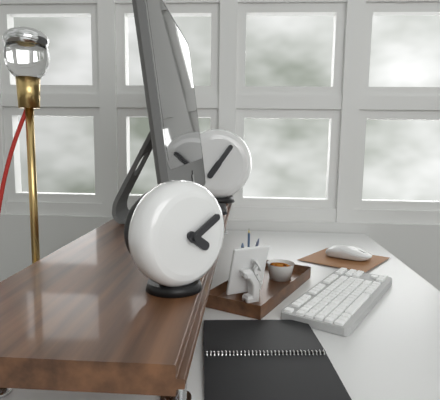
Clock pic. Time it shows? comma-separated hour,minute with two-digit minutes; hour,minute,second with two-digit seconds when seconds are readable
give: 4,10
